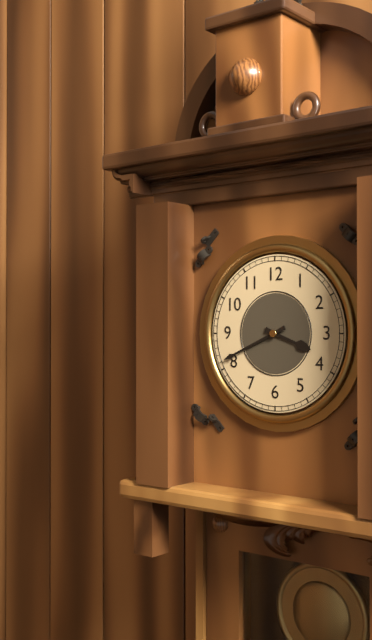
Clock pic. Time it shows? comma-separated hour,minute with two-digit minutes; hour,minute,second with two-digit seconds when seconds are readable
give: 3,41
